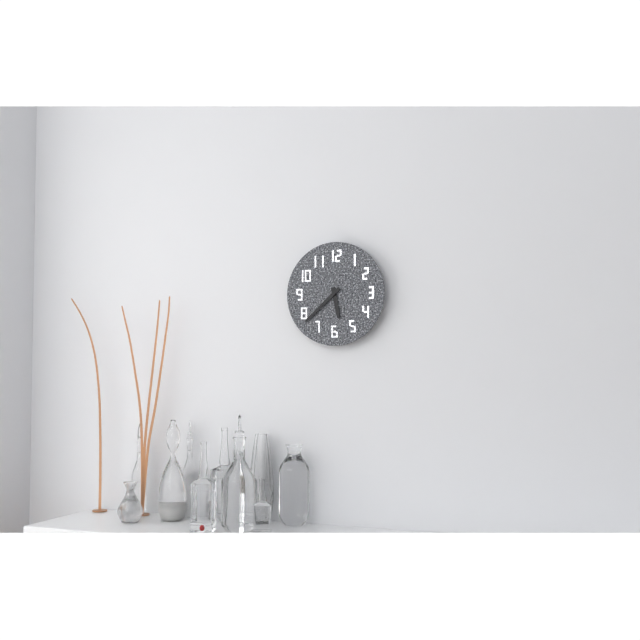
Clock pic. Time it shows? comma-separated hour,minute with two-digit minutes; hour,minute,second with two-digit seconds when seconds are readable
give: 5,38
